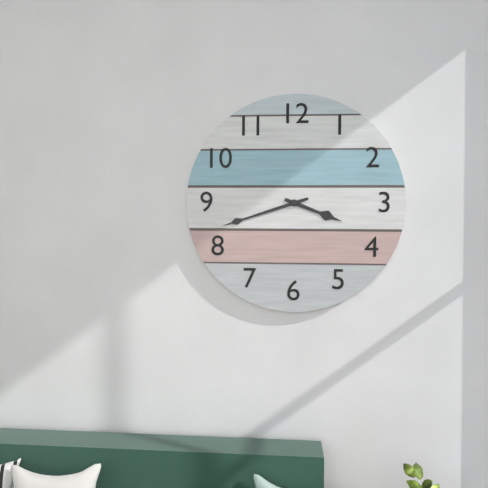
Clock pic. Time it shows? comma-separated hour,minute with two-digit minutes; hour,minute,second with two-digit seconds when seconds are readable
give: 3,42
